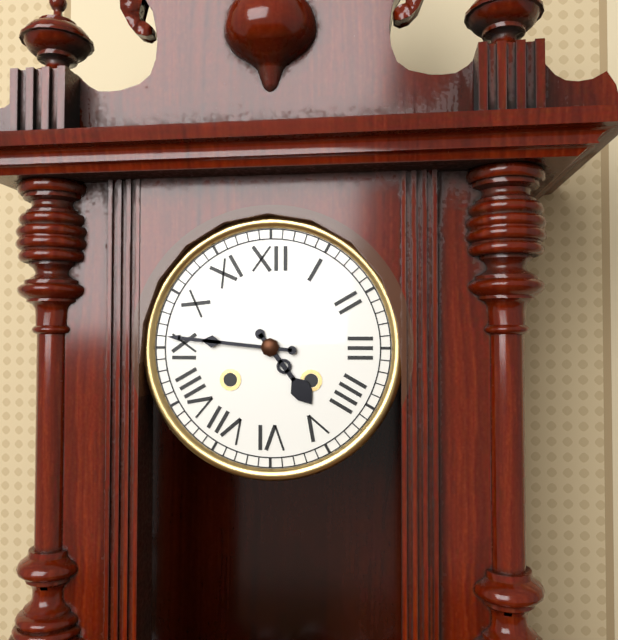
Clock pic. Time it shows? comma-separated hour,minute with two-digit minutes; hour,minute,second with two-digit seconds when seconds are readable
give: 4,46
